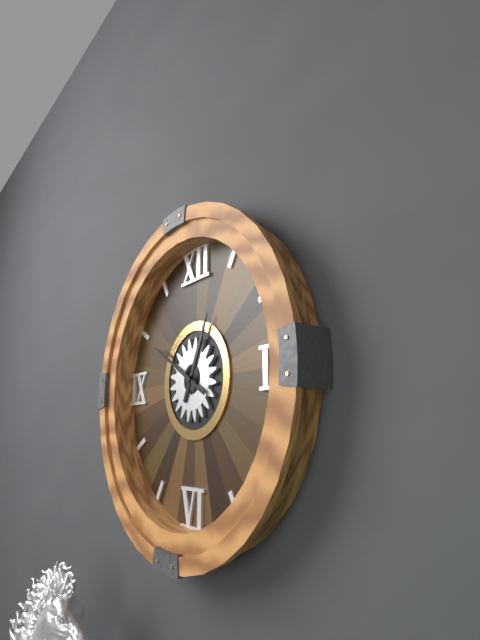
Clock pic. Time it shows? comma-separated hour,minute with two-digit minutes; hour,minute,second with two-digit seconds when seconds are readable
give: 12,50
